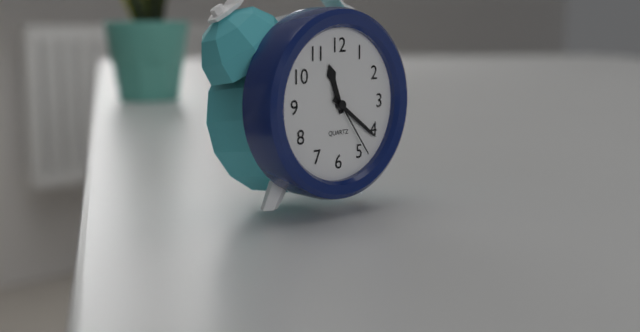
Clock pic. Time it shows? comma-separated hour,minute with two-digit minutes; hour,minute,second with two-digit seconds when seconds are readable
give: 11,21,24
